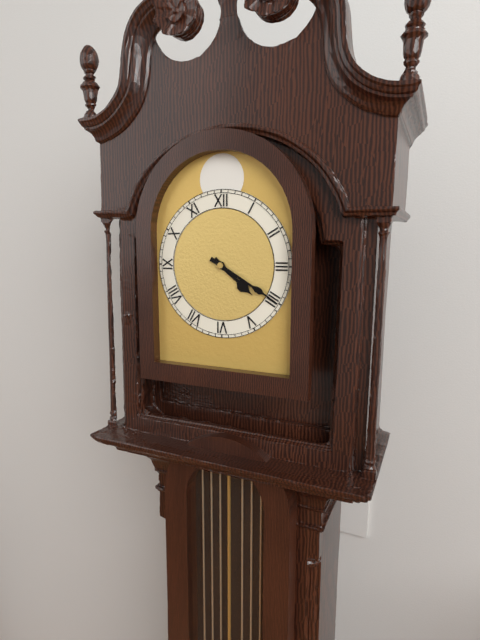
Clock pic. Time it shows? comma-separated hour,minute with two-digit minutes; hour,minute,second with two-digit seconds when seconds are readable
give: 4,20
